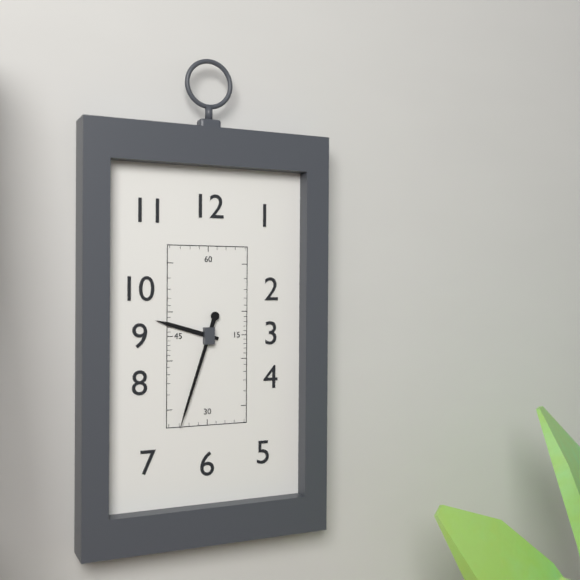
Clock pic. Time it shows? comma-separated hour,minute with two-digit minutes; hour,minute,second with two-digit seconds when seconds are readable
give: 9,33
